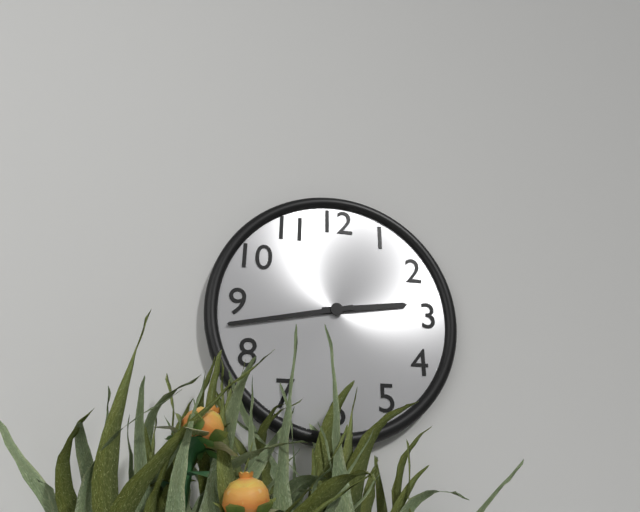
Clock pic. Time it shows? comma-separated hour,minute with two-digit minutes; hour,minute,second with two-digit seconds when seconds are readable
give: 2,43
